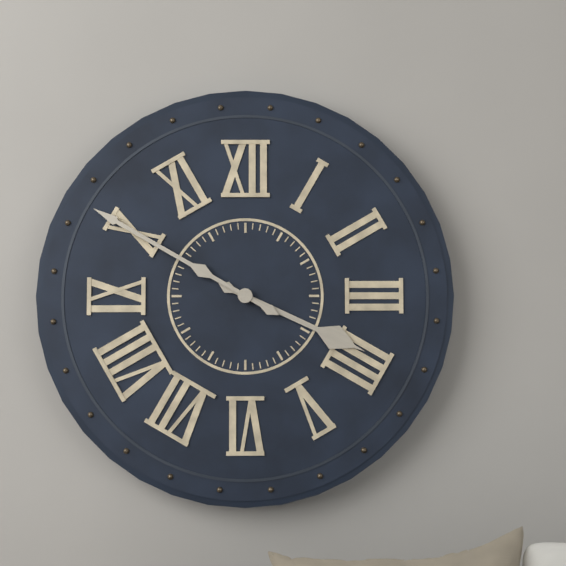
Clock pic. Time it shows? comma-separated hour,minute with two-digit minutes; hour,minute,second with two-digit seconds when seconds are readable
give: 3,50
